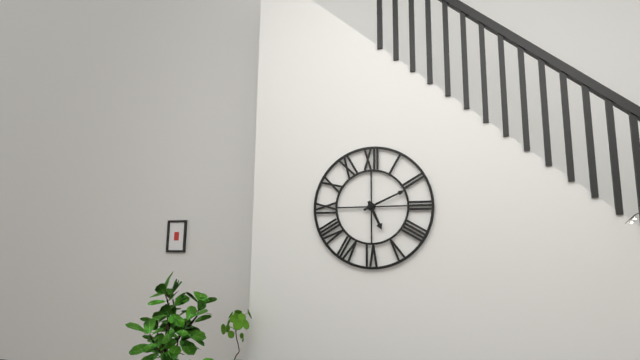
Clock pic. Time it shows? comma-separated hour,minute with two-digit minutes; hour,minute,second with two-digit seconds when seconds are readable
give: 5,11
